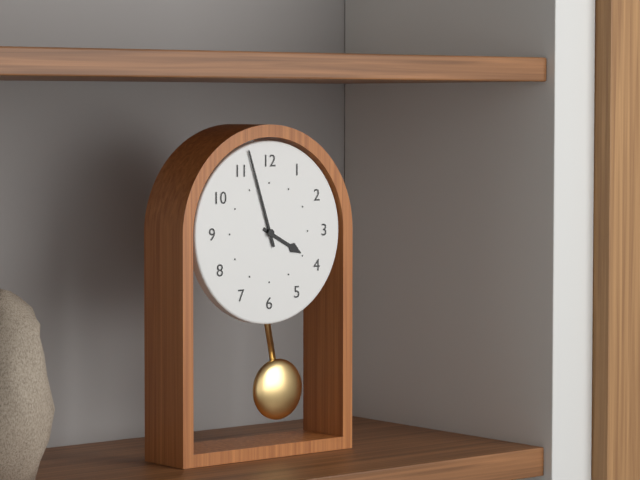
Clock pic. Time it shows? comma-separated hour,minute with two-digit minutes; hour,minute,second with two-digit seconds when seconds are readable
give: 3,57
